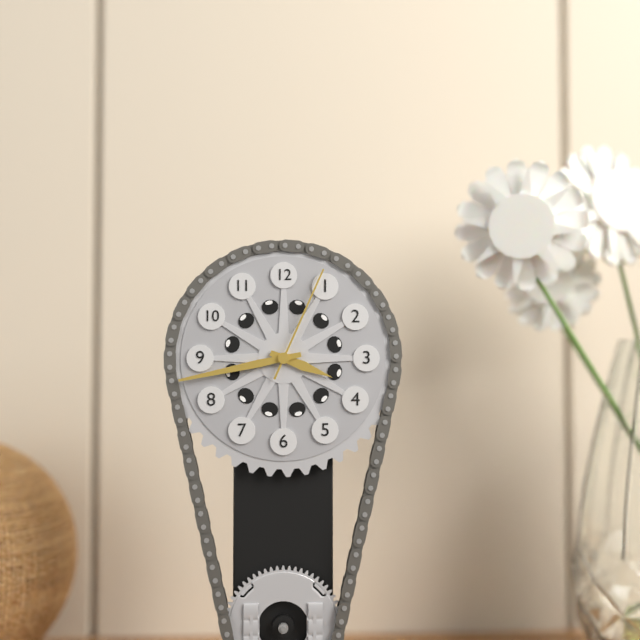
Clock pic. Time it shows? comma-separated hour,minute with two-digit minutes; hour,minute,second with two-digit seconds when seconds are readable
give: 3,43,04
